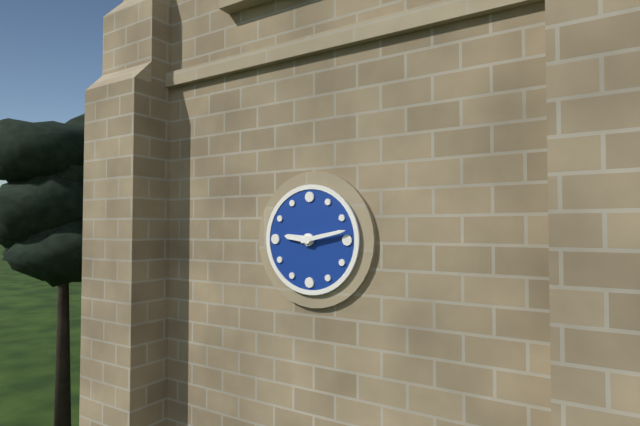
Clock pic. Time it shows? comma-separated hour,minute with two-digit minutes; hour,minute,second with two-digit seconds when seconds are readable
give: 9,13
